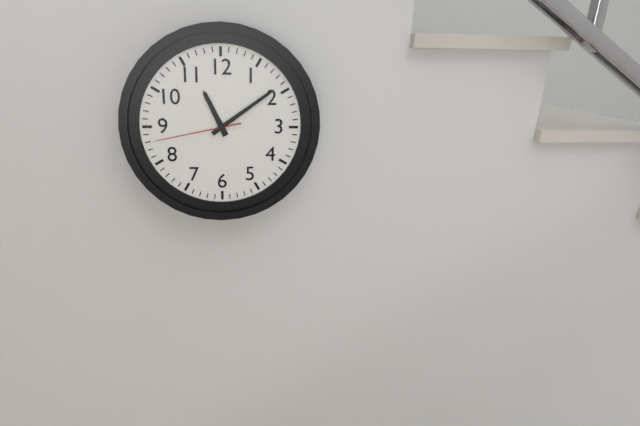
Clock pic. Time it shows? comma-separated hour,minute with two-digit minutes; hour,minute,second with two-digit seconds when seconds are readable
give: 11,09,43
